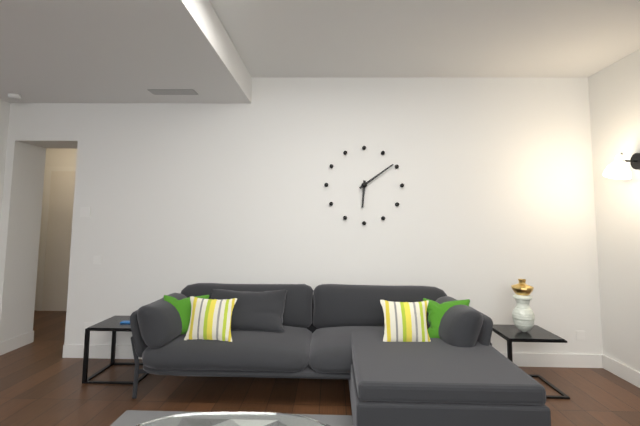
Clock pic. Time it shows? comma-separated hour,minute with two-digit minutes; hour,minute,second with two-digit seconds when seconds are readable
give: 6,09
